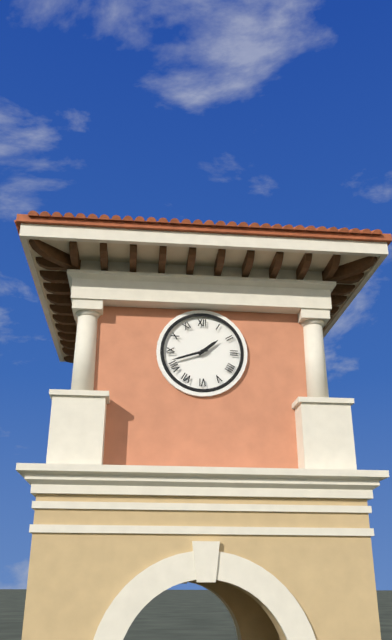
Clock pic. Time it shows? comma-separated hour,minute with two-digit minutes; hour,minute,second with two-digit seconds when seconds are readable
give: 1,42
